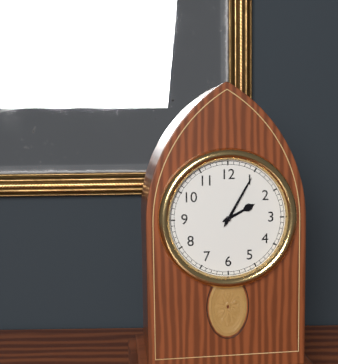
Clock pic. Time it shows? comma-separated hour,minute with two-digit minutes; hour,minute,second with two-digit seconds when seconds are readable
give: 2,05
